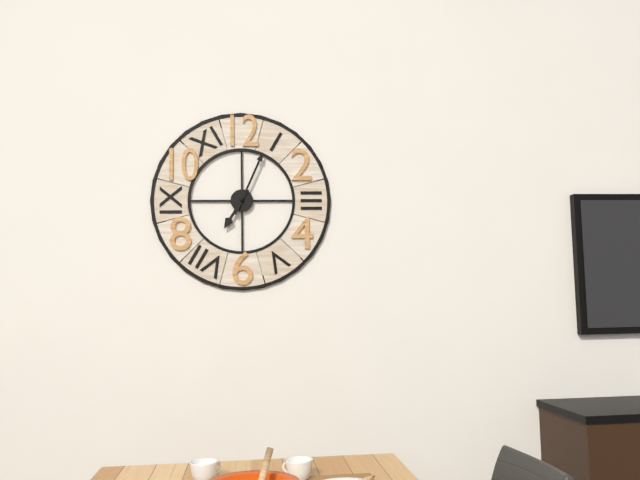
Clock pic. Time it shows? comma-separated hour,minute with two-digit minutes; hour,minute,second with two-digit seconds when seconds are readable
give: 7,04
